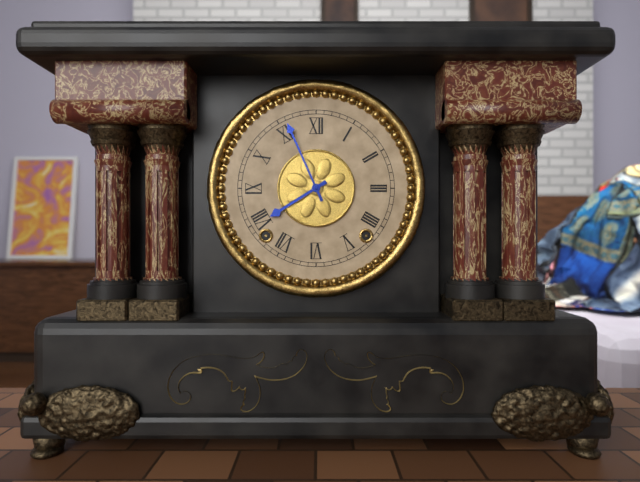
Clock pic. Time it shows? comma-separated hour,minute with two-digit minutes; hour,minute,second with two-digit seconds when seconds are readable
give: 7,56
